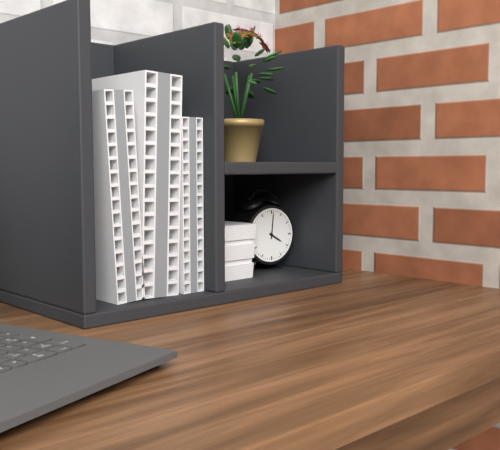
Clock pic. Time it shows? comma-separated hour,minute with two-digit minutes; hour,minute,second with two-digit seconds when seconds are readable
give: 4,01
